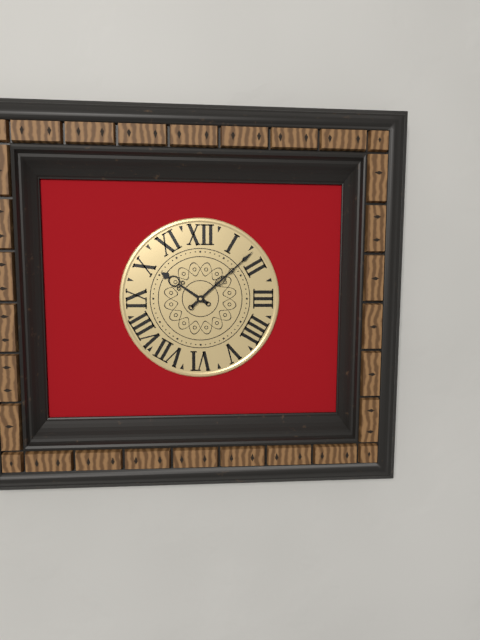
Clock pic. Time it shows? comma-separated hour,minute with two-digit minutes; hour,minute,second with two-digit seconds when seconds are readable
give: 10,08
